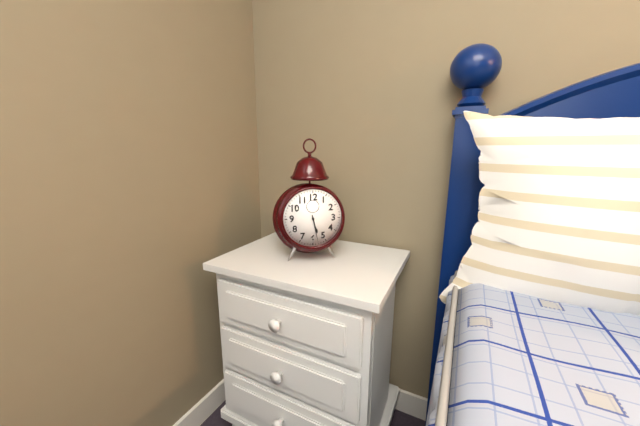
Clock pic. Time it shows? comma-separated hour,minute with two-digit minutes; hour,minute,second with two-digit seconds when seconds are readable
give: 5,28
